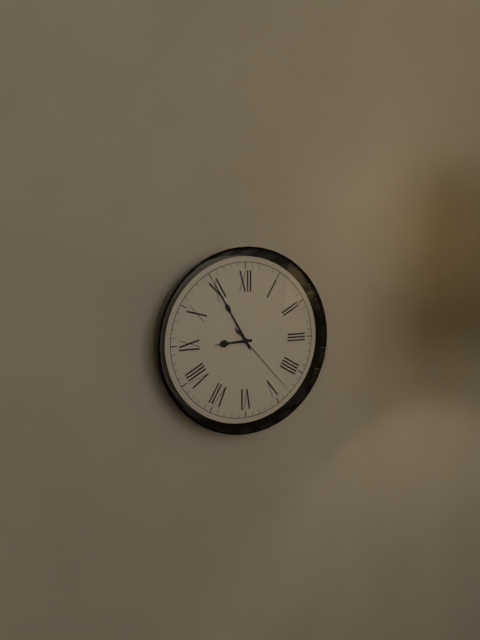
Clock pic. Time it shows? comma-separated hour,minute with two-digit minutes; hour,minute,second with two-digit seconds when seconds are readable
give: 8,55,23
